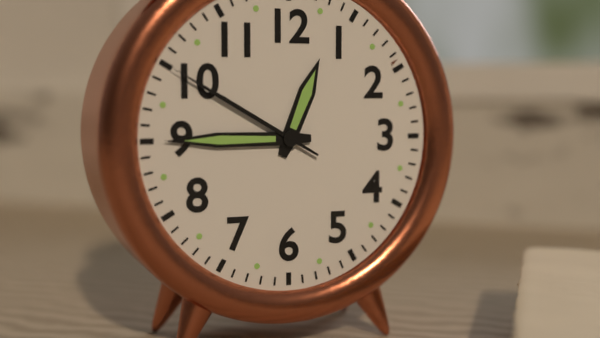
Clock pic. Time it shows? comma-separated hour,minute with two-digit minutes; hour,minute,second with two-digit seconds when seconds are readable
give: 12,45,50
